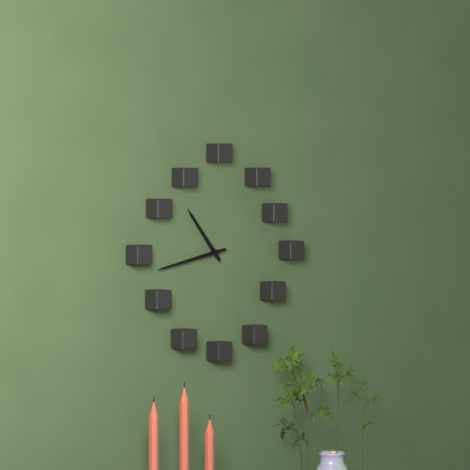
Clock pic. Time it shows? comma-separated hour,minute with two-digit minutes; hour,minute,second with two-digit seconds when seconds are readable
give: 10,43
